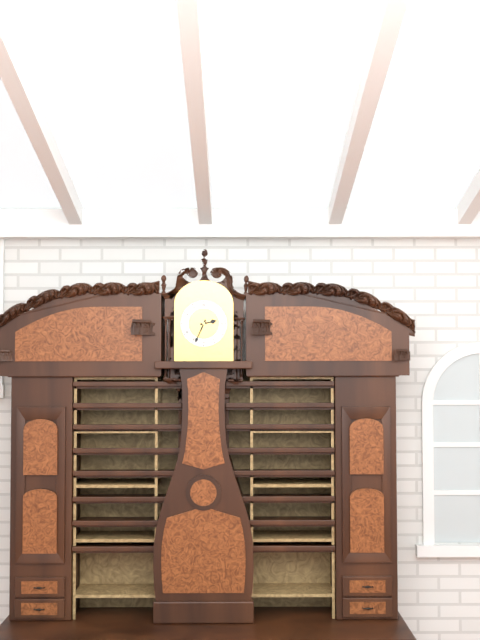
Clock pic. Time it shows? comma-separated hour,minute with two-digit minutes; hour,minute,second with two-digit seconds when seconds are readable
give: 2,34
